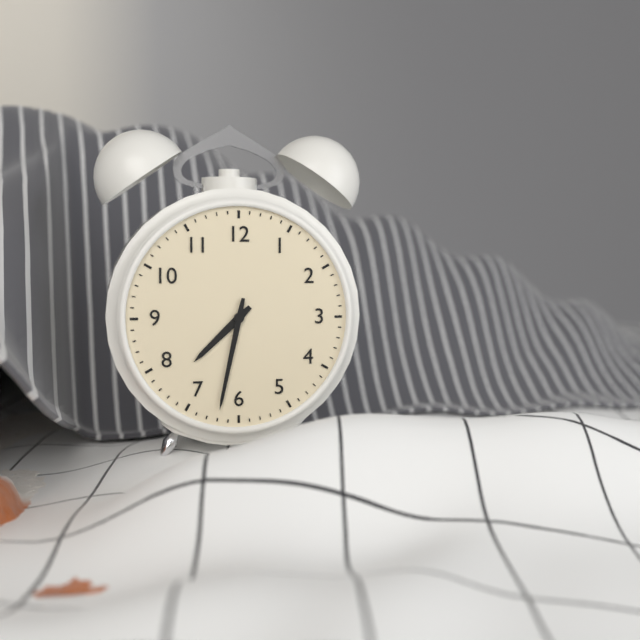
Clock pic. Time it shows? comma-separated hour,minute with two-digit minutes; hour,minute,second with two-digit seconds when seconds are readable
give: 7,32
